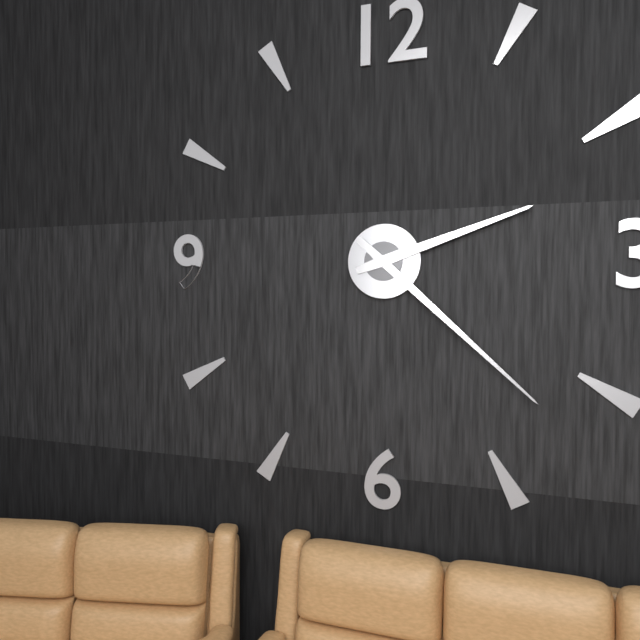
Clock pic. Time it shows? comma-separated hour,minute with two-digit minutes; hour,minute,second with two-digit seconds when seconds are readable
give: 2,22
